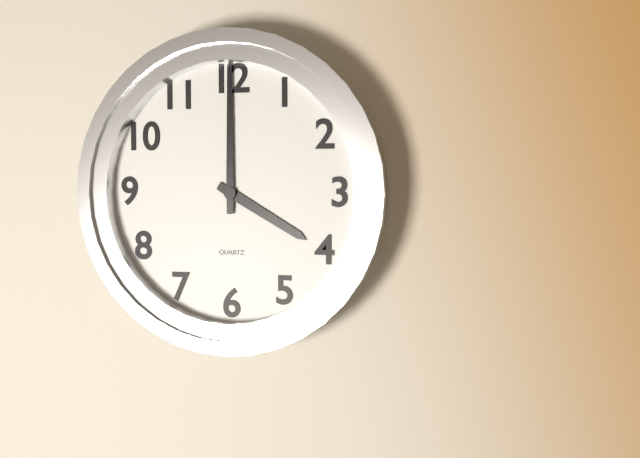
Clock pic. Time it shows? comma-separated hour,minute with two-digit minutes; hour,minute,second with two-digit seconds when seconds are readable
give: 4,00
